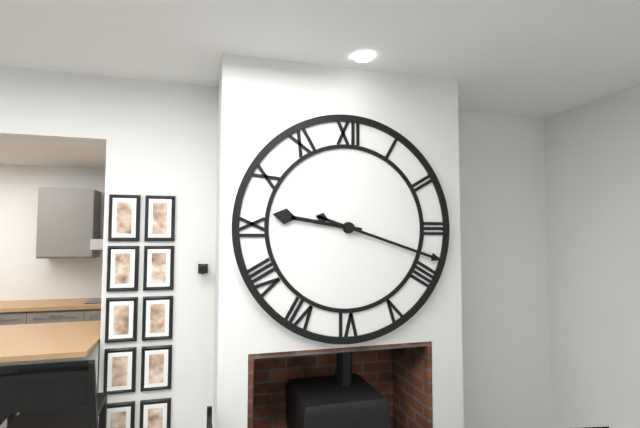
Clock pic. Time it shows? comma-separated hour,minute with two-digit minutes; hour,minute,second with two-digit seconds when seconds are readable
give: 9,18
